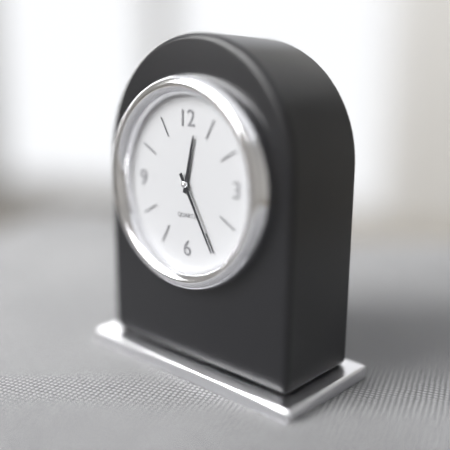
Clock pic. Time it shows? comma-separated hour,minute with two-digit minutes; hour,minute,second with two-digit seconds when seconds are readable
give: 12,25
